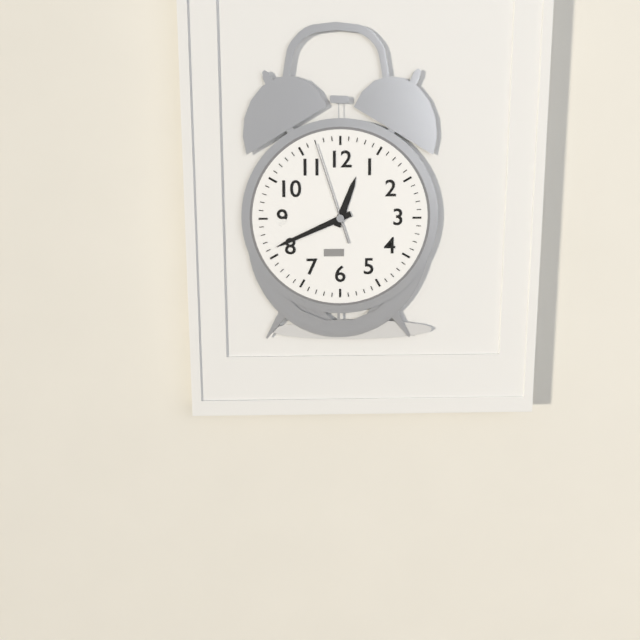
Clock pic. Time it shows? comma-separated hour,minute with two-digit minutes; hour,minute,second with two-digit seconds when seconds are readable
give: 12,41,57
